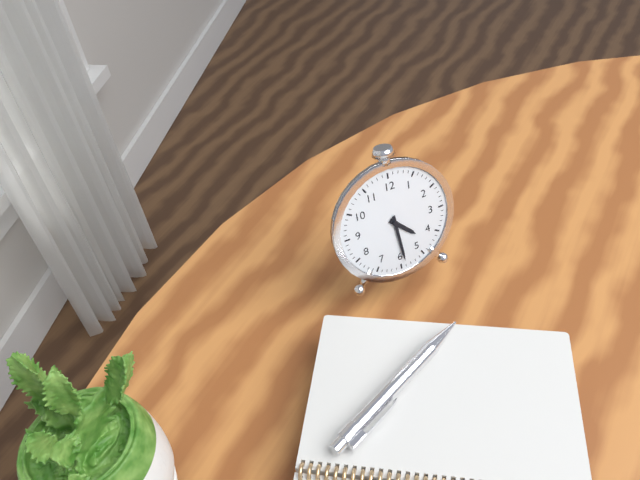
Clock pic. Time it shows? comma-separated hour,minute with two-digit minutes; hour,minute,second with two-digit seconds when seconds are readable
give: 4,29
